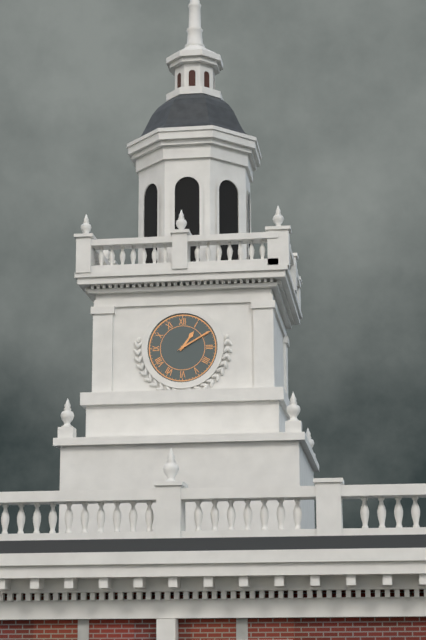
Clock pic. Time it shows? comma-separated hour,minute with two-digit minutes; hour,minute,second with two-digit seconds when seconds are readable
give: 1,10
